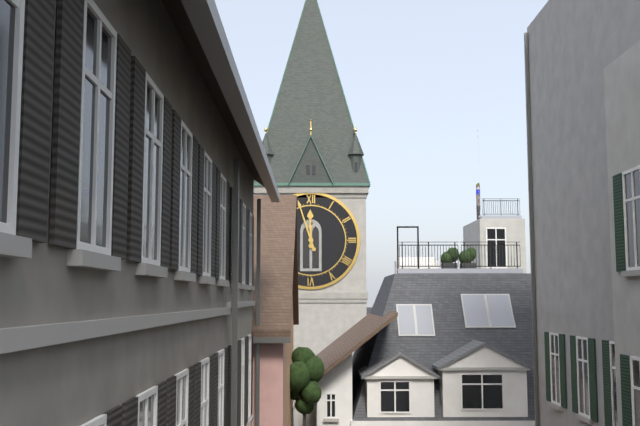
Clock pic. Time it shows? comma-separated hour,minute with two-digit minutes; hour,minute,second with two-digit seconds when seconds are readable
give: 11,57
